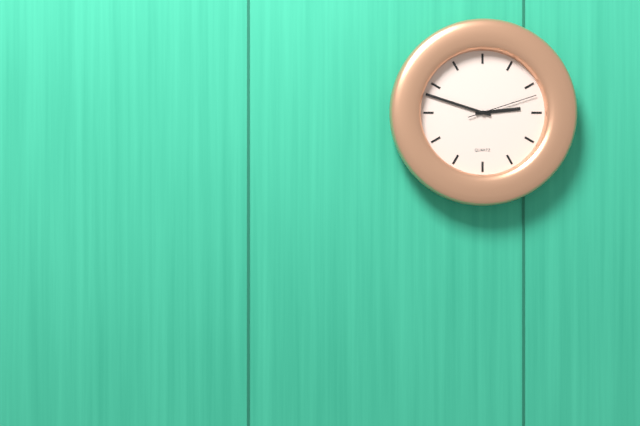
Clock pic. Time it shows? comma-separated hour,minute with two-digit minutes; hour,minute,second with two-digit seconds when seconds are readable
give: 2,48,12
